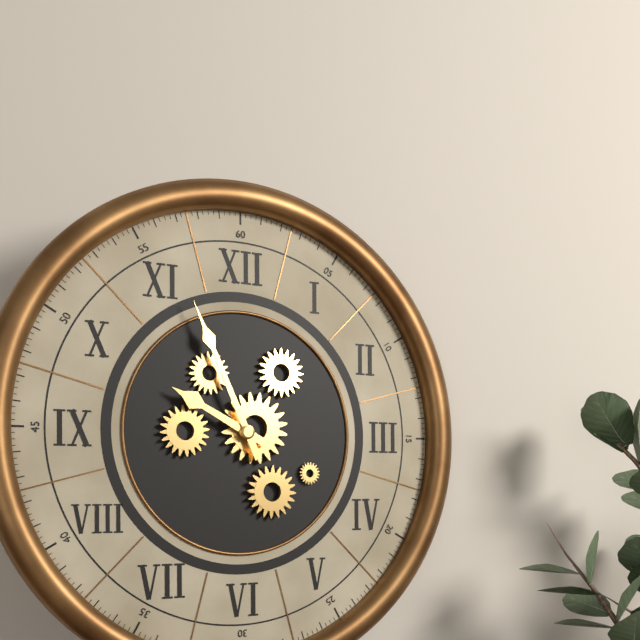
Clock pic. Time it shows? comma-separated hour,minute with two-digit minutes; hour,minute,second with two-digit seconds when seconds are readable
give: 9,56
